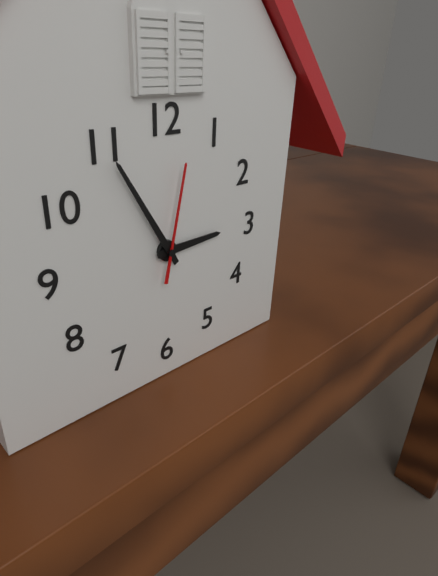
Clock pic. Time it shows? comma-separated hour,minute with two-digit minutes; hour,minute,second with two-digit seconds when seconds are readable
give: 2,55,02
